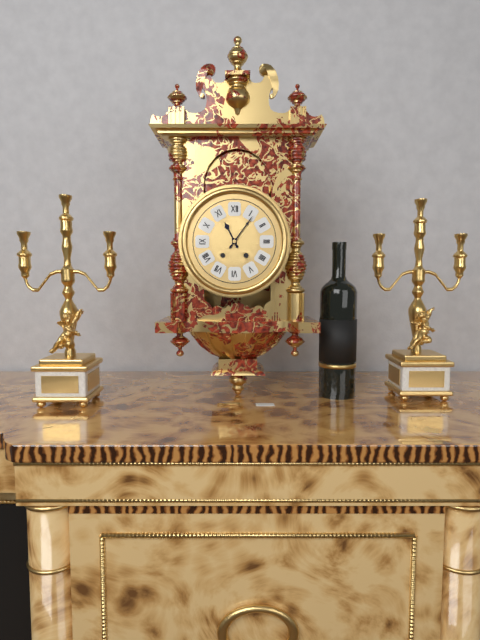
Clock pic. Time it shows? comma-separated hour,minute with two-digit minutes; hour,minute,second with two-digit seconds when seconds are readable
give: 11,06
